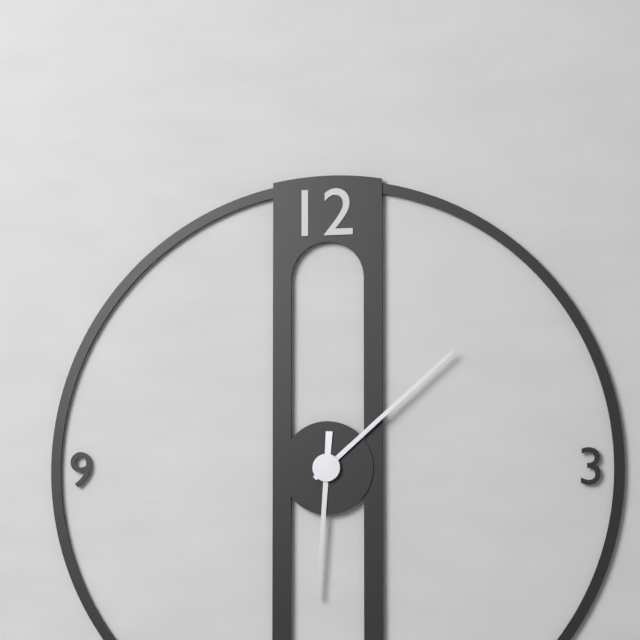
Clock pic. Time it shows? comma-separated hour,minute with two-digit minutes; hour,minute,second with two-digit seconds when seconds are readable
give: 6,08
